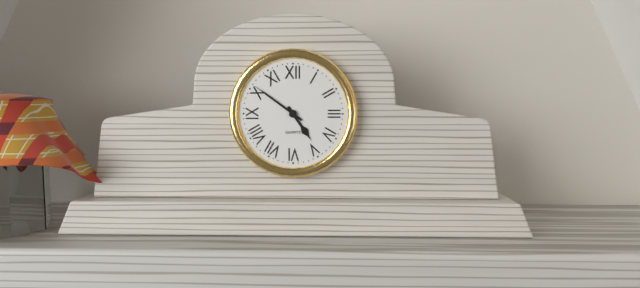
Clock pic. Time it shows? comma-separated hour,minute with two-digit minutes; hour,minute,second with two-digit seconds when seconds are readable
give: 4,51
